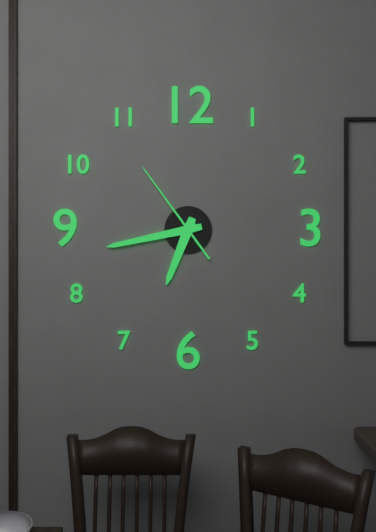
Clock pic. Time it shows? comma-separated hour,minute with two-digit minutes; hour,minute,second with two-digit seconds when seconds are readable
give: 6,43,54
